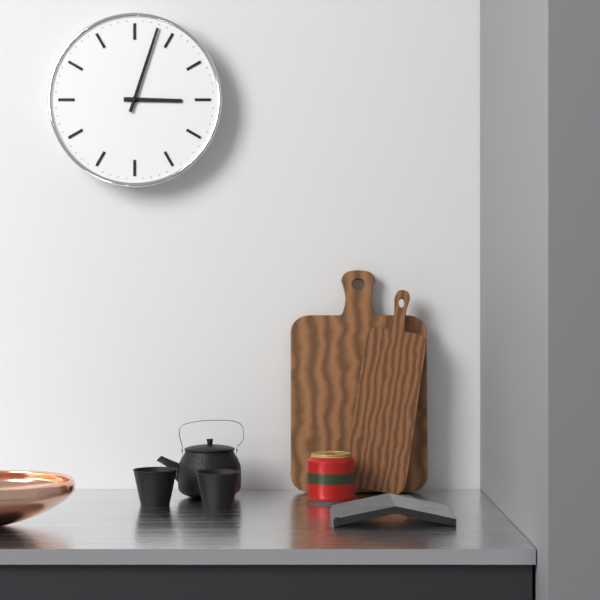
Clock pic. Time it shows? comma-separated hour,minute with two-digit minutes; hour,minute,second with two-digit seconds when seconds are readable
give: 3,03
